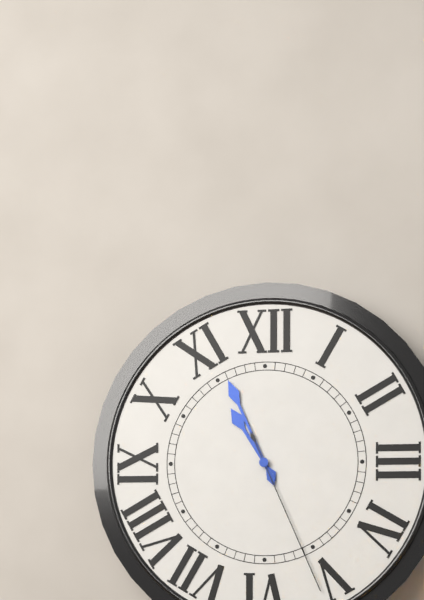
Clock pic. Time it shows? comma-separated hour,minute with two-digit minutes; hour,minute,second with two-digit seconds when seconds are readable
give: 10,56,26
